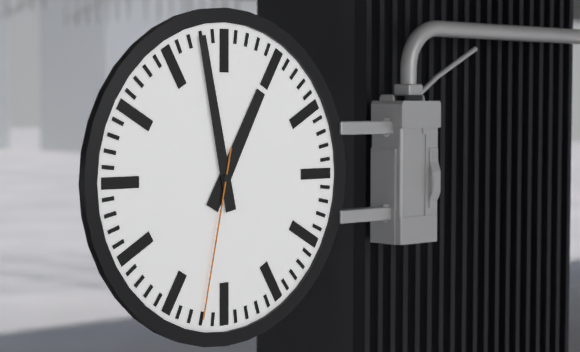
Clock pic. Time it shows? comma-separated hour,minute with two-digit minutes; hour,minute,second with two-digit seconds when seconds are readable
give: 12,58,32
